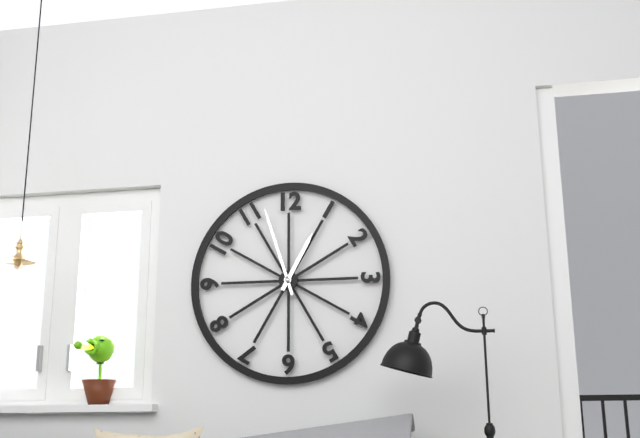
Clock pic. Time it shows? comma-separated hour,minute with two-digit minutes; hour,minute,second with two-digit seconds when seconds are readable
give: 12,57
